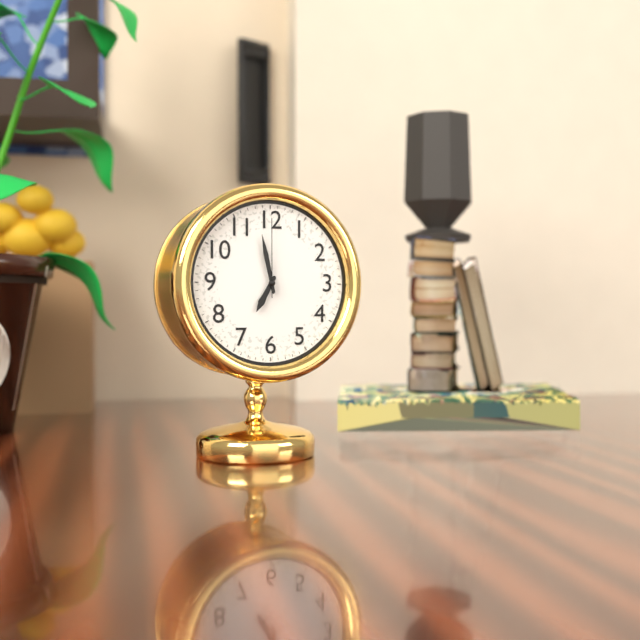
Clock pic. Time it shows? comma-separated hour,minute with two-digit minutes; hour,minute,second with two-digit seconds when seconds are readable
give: 6,58,00
